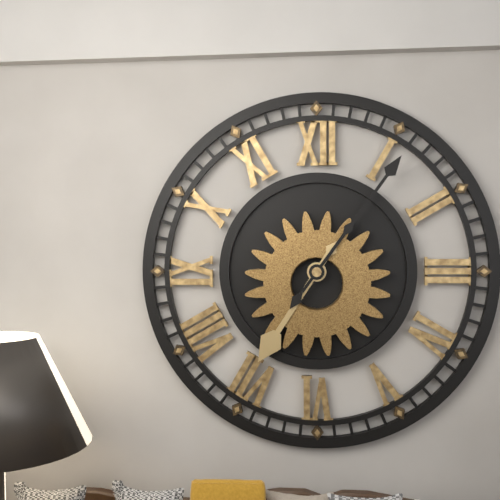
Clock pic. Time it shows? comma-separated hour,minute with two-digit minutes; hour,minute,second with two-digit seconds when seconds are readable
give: 7,06
